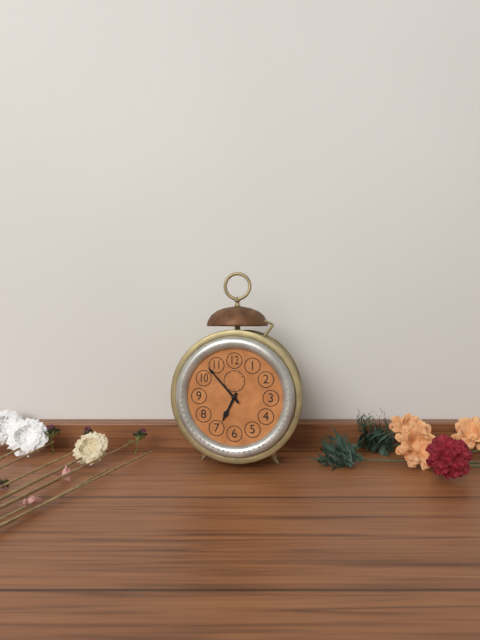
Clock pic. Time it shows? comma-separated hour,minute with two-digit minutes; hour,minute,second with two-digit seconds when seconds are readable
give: 6,53
